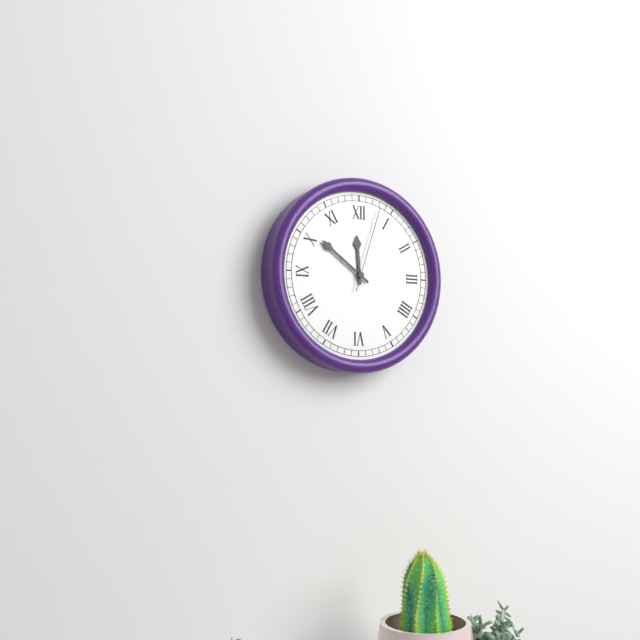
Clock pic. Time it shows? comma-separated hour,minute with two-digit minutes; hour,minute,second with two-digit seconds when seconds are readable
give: 11,51,03
